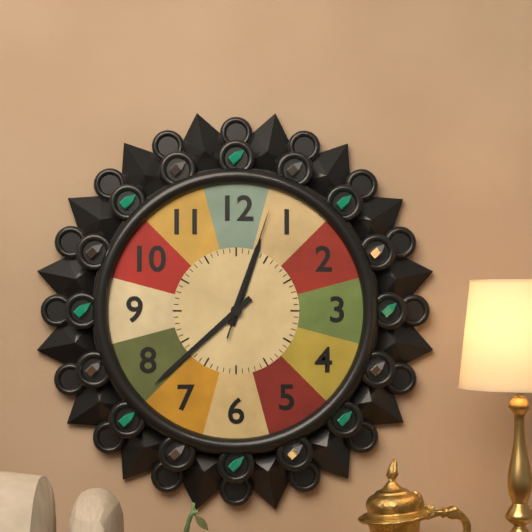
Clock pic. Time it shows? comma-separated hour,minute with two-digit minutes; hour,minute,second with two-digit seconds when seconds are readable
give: 12,38,03
